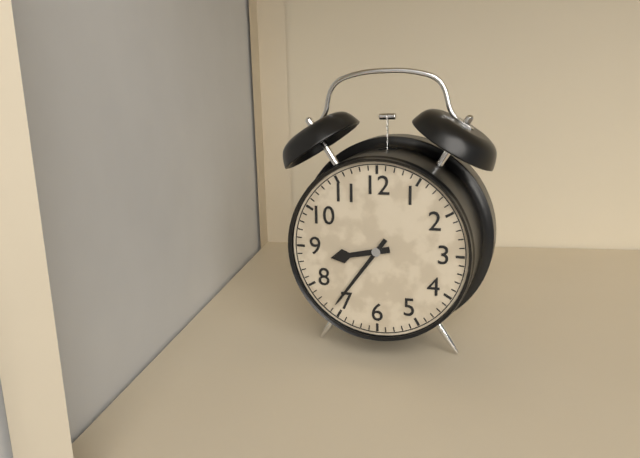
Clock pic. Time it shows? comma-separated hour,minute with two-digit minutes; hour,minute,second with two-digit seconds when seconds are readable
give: 8,36
